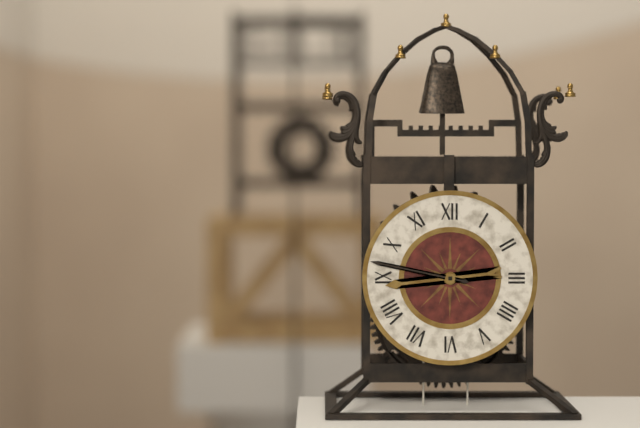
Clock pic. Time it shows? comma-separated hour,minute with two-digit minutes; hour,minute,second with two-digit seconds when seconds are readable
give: 8,47
